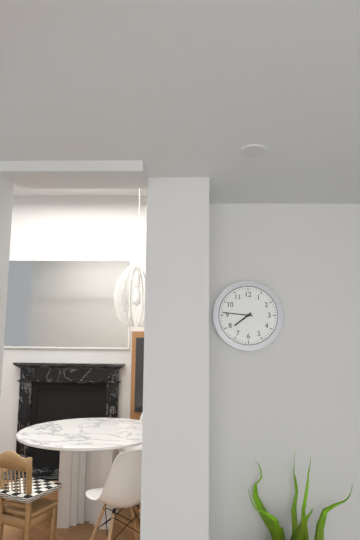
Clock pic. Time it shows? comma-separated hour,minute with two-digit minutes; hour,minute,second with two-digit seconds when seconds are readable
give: 7,46
